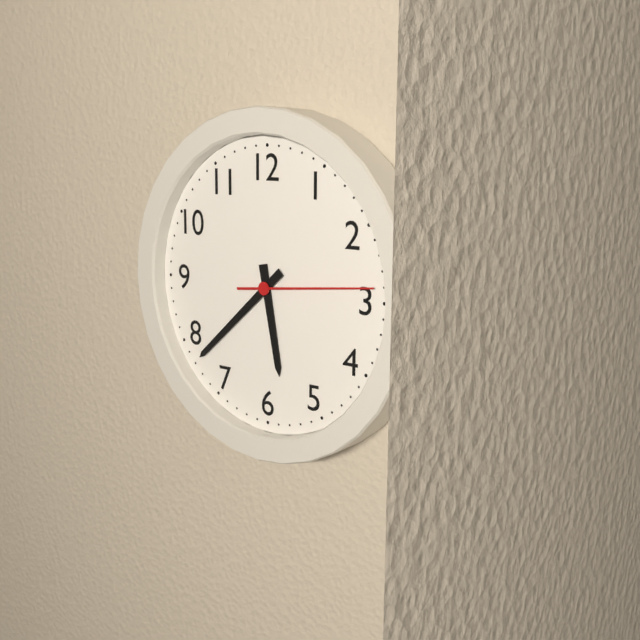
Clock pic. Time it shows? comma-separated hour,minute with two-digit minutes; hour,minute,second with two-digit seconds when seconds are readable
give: 5,38,14
